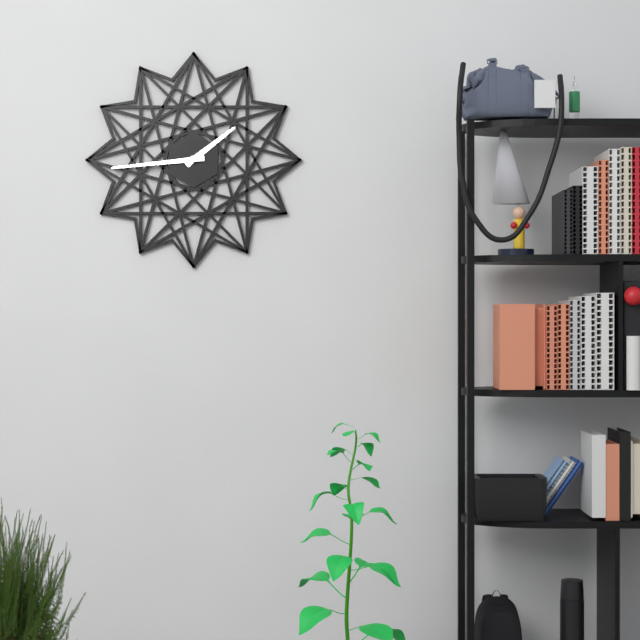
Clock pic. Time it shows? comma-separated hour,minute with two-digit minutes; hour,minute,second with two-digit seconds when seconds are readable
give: 1,44
